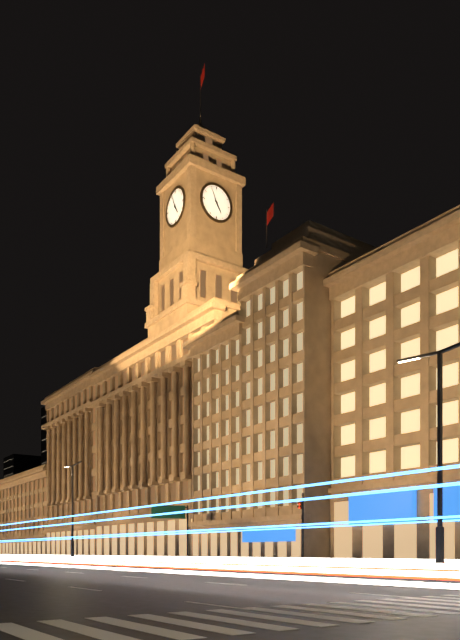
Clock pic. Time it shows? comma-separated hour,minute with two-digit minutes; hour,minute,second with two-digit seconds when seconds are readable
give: 4,56
